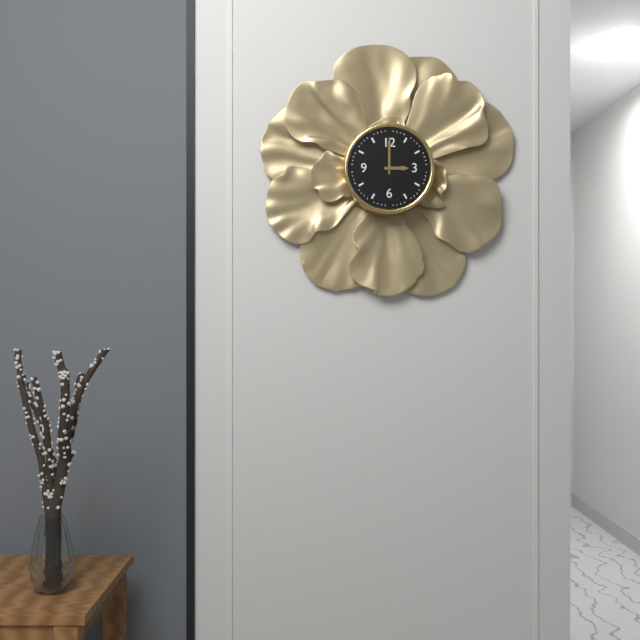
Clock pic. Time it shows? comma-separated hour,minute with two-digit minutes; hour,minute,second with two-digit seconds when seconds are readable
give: 3,00
